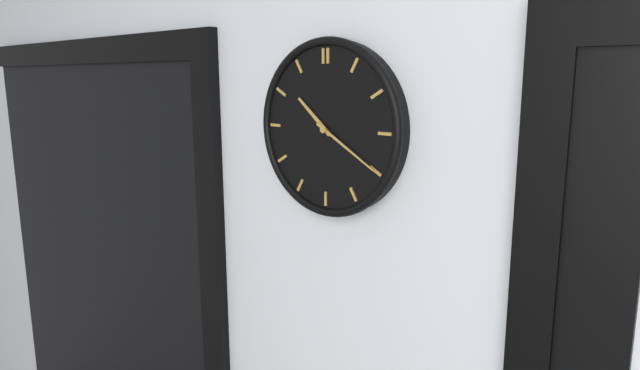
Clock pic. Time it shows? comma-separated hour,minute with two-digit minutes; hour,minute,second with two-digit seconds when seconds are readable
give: 10,20
